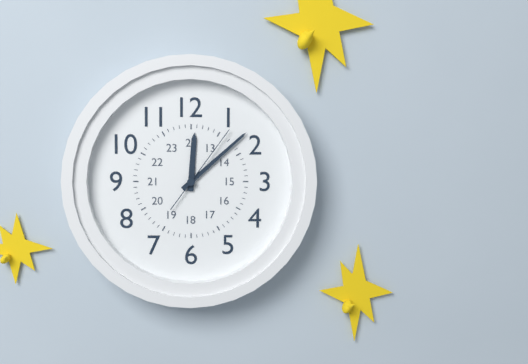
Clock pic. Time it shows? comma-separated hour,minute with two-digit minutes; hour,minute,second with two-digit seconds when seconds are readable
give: 12,08,06
